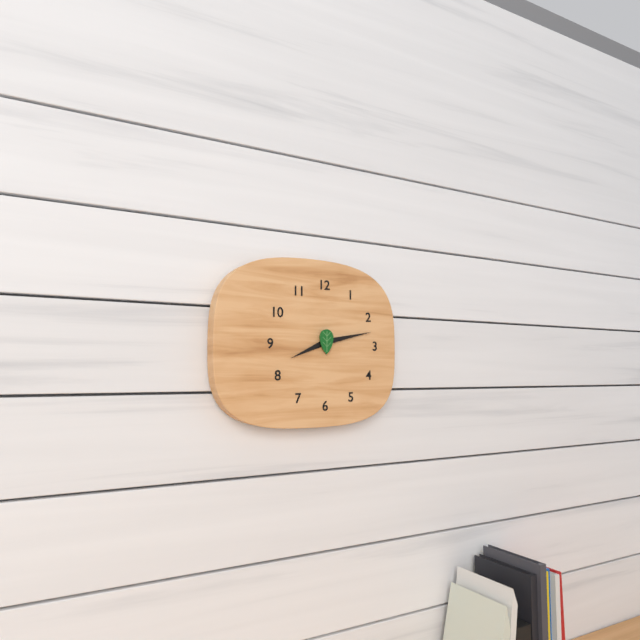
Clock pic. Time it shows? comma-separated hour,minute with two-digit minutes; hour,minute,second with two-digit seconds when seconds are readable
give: 8,13
